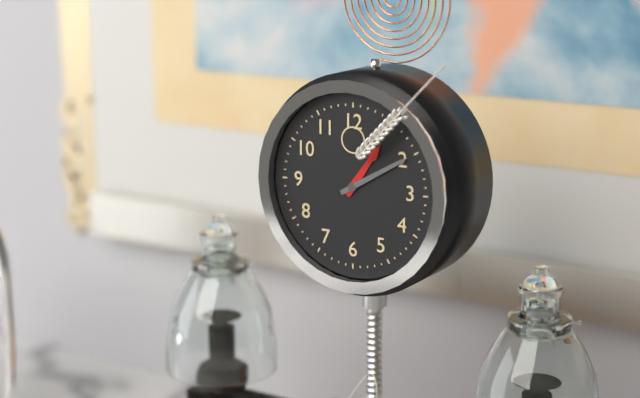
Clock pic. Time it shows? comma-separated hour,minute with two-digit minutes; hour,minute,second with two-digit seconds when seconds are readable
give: 1,10
